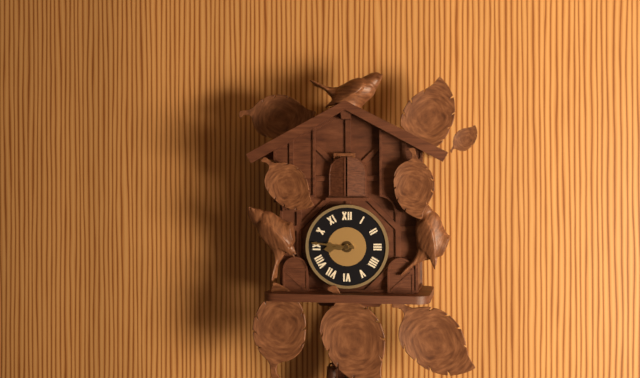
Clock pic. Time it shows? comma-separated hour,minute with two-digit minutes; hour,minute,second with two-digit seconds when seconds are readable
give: 8,46
